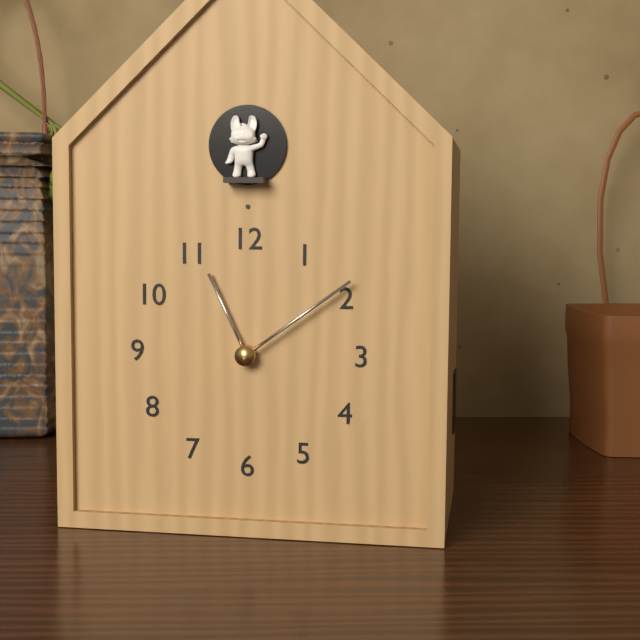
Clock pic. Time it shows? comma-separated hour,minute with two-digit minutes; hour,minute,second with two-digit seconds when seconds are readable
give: 11,09
